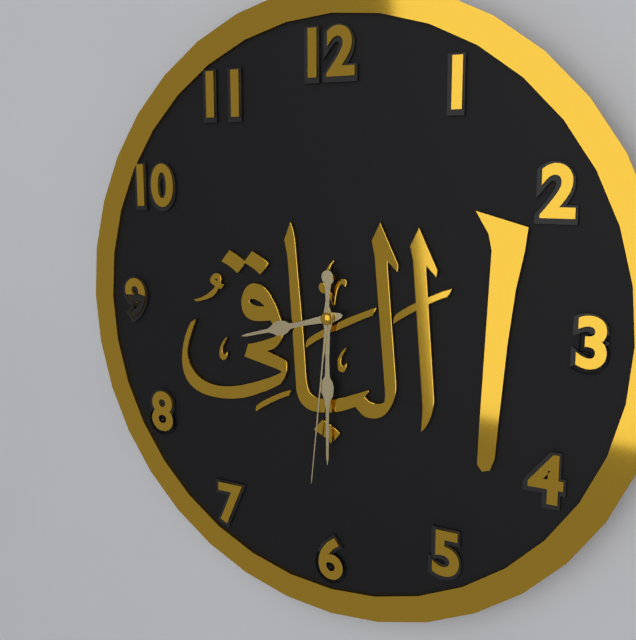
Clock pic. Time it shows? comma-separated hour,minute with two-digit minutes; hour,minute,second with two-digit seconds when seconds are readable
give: 8,30,31
